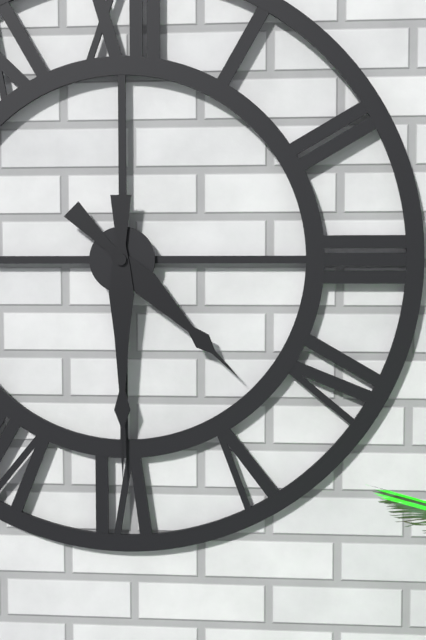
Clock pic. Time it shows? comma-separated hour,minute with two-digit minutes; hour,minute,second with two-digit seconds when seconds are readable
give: 4,30
